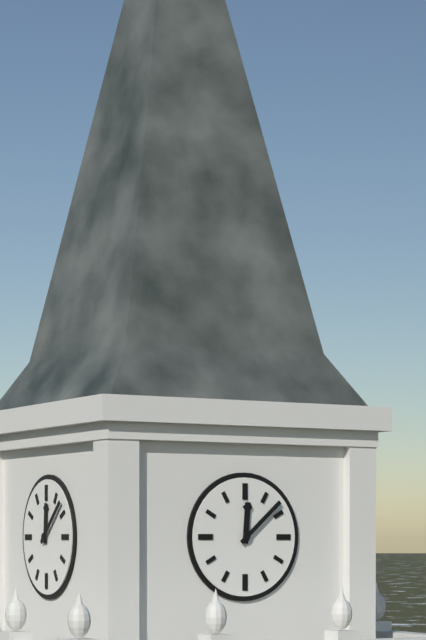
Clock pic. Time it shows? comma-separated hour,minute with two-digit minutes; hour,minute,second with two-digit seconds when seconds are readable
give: 12,08
